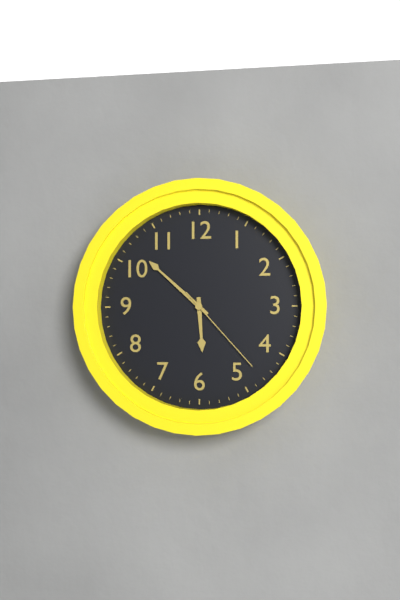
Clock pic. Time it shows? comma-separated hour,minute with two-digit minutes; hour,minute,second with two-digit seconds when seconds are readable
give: 5,52,23
